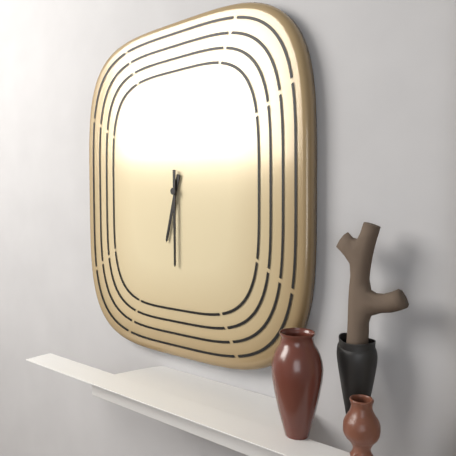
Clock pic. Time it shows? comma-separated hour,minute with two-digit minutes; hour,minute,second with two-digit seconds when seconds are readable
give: 6,30
